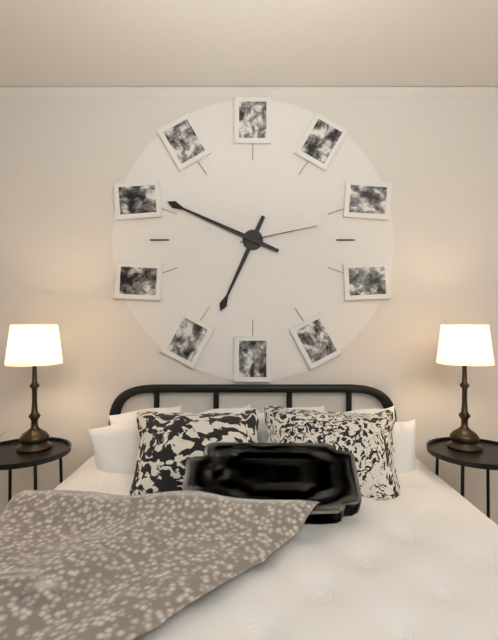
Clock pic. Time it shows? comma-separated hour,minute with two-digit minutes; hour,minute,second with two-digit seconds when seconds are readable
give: 6,49,13
